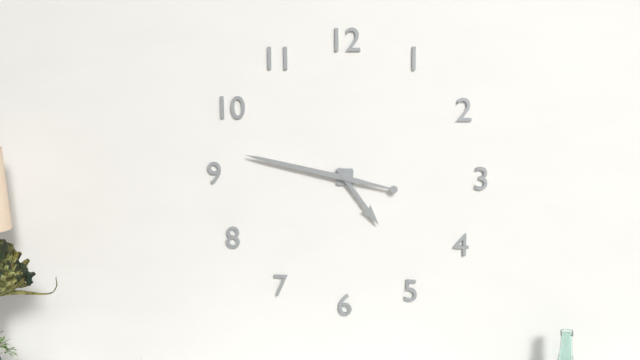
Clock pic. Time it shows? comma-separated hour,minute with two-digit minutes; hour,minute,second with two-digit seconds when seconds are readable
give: 4,47
